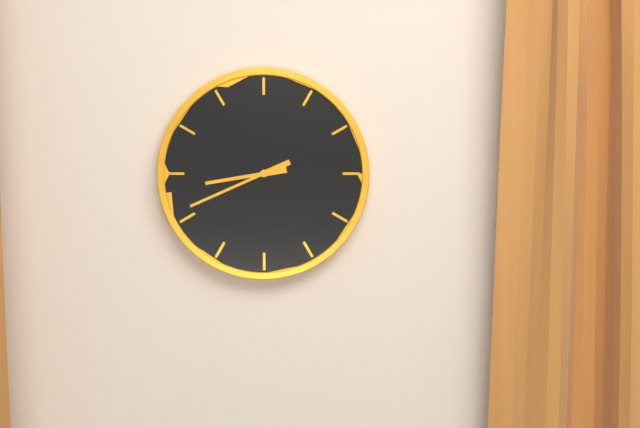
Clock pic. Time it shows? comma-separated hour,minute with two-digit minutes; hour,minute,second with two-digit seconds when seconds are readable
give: 8,41
